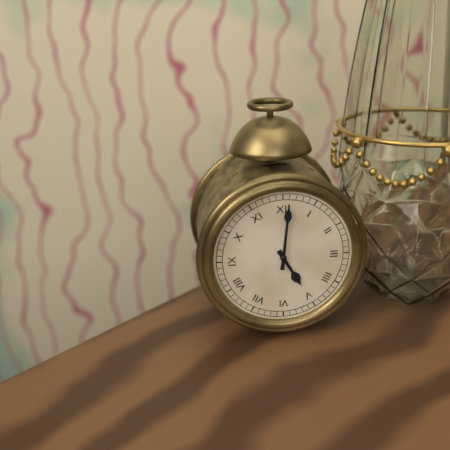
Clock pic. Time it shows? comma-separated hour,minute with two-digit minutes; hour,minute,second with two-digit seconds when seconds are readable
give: 5,01
